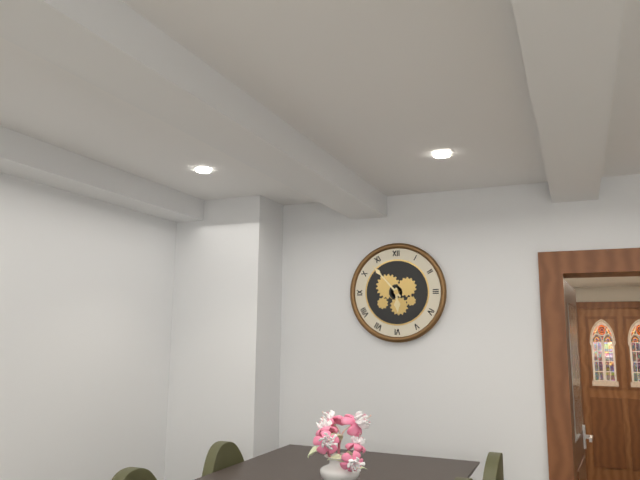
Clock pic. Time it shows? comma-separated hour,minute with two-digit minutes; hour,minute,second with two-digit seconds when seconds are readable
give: 5,53
